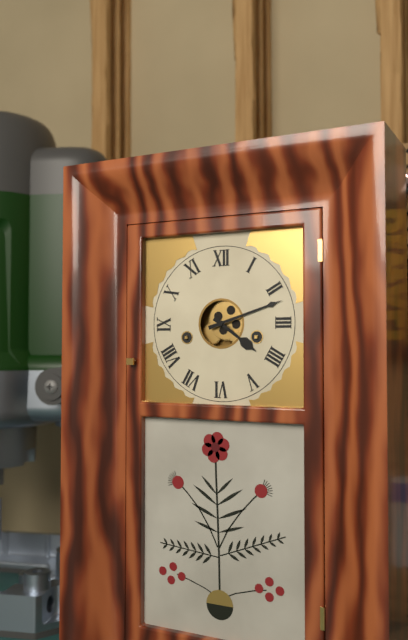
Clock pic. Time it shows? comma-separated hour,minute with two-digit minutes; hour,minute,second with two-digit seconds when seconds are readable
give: 4,12
